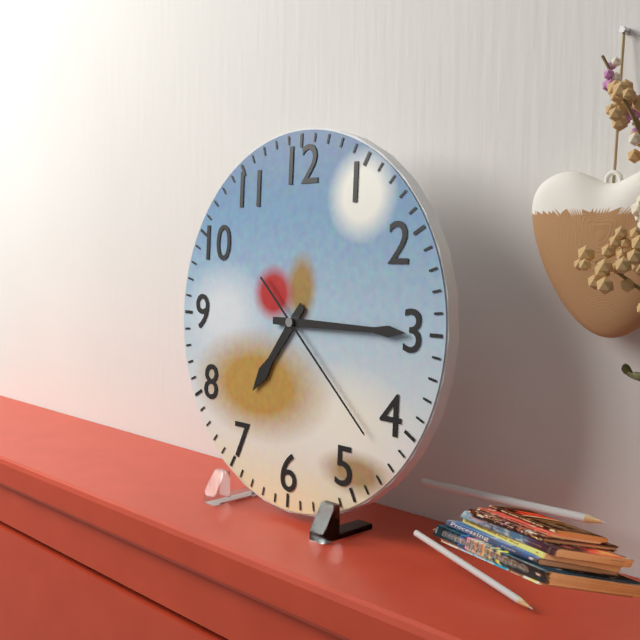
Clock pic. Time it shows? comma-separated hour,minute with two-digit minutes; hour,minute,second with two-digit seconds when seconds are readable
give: 7,15,22
